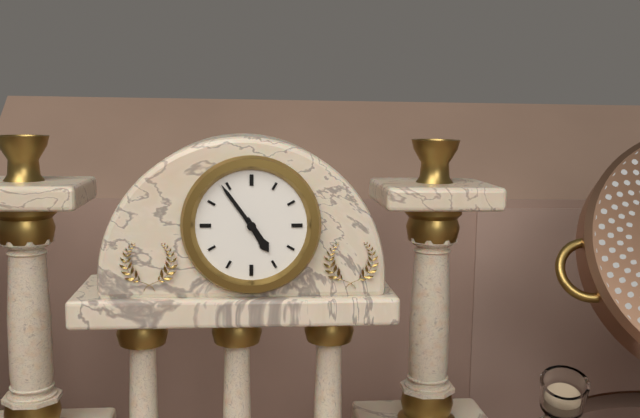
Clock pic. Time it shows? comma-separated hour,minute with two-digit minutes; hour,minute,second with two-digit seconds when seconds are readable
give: 4,54
